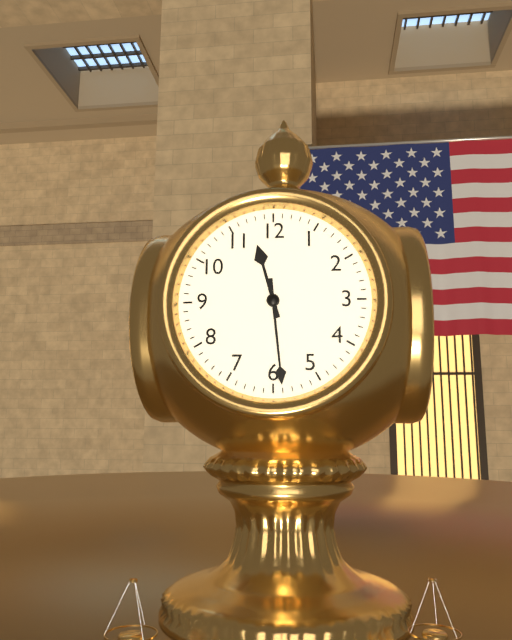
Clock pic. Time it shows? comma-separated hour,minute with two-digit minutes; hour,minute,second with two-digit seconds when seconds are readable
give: 11,29
